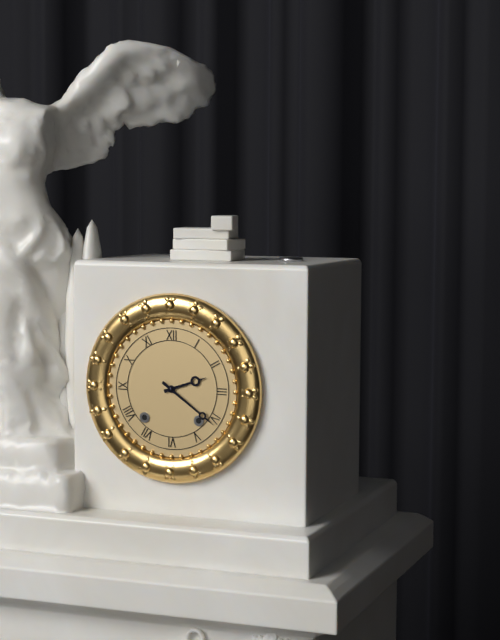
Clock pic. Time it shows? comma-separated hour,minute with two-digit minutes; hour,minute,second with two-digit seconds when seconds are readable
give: 2,21
